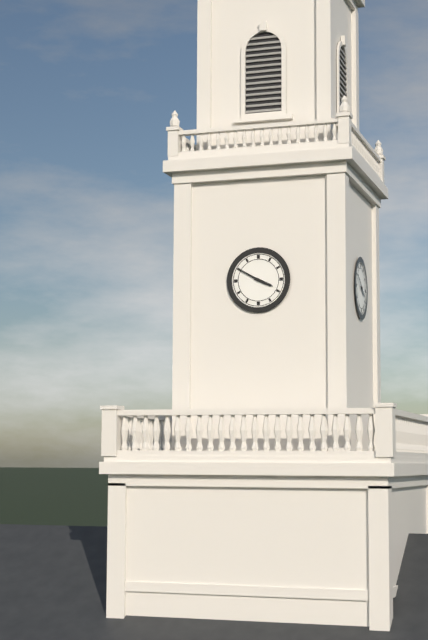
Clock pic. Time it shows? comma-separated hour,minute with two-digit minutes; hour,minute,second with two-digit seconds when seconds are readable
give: 3,50
